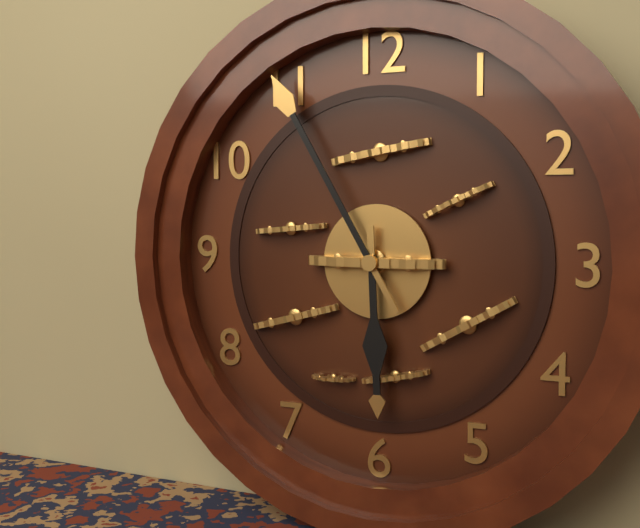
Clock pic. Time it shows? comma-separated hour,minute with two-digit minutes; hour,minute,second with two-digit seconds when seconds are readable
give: 5,55
